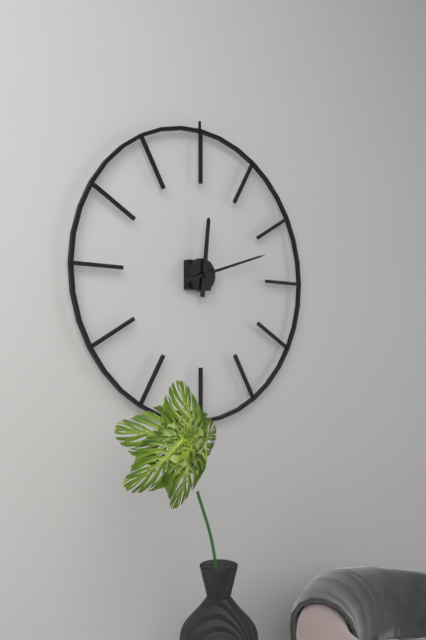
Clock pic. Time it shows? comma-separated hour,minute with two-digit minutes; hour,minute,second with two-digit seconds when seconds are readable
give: 12,12
